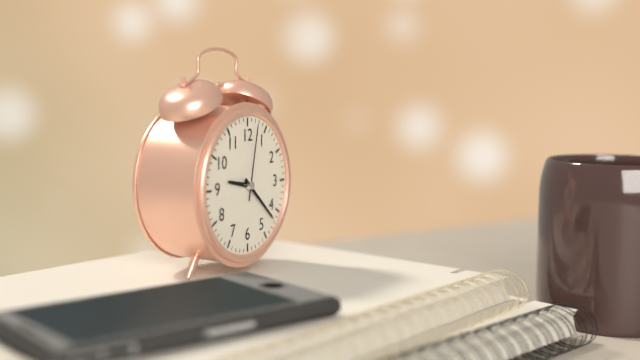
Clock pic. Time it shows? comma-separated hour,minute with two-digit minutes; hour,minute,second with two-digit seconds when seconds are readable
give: 9,22,02
